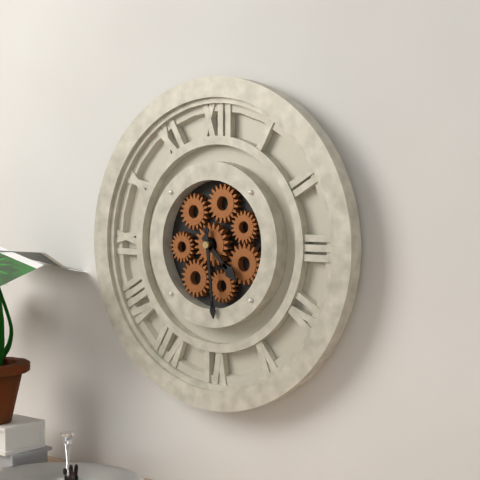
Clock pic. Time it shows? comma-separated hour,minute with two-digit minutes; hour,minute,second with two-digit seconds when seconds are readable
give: 4,29
